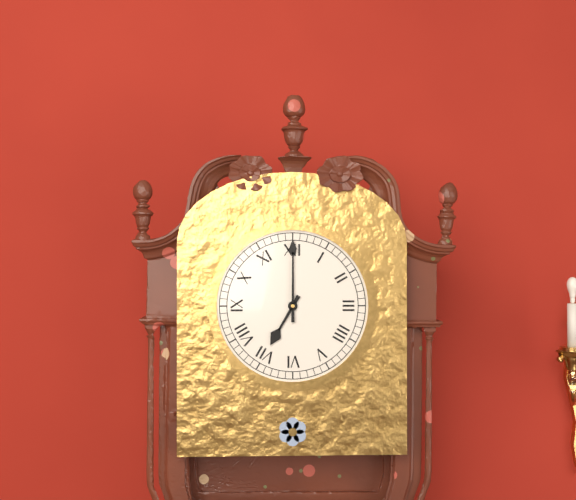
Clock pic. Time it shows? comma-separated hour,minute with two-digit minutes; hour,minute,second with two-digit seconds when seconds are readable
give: 7,00
